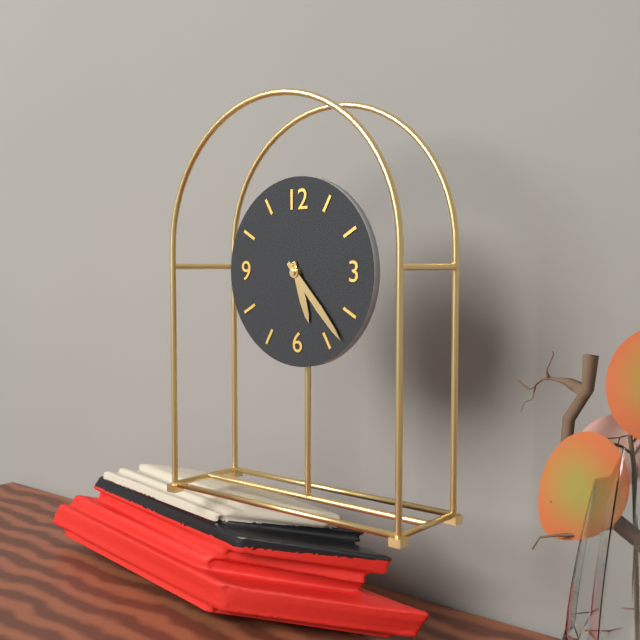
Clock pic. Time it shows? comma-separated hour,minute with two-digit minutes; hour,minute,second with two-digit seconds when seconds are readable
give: 5,23
